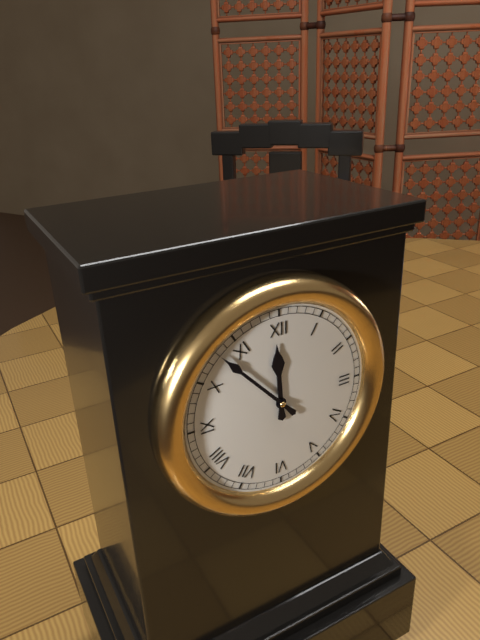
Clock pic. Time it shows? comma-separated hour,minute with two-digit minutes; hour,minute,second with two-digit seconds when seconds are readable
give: 11,53
